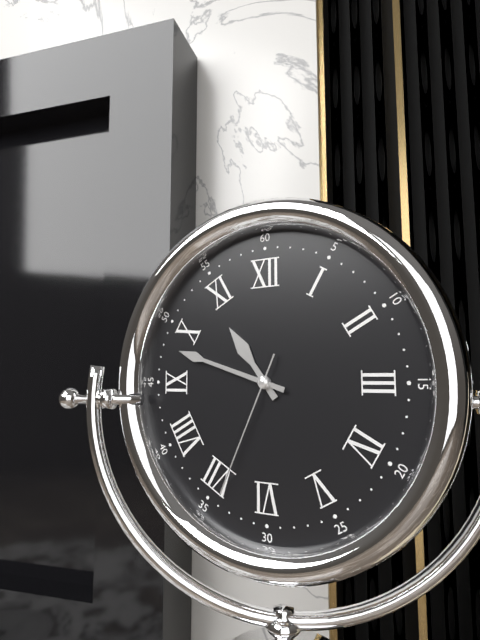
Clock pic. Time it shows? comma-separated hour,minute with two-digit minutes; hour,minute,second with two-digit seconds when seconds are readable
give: 10,48,34
